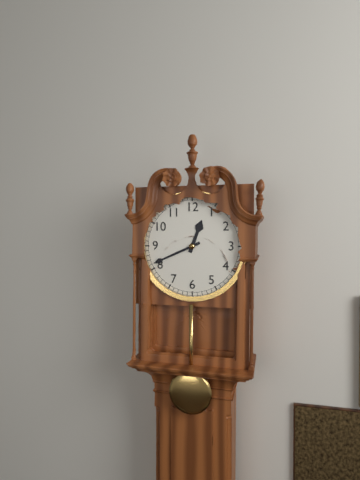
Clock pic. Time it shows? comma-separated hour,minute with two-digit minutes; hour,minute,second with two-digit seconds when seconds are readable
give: 12,41
